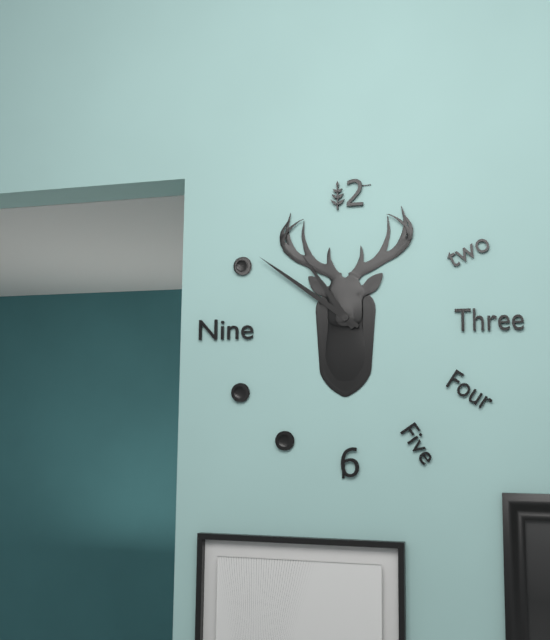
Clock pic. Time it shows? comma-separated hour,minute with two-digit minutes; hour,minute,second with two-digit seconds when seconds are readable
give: 10,51
